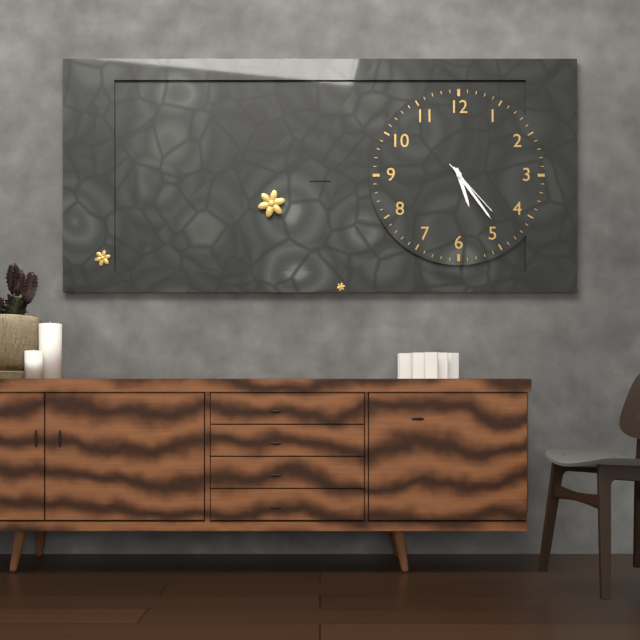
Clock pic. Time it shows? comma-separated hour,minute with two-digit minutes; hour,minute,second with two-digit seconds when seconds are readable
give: 5,24,23
